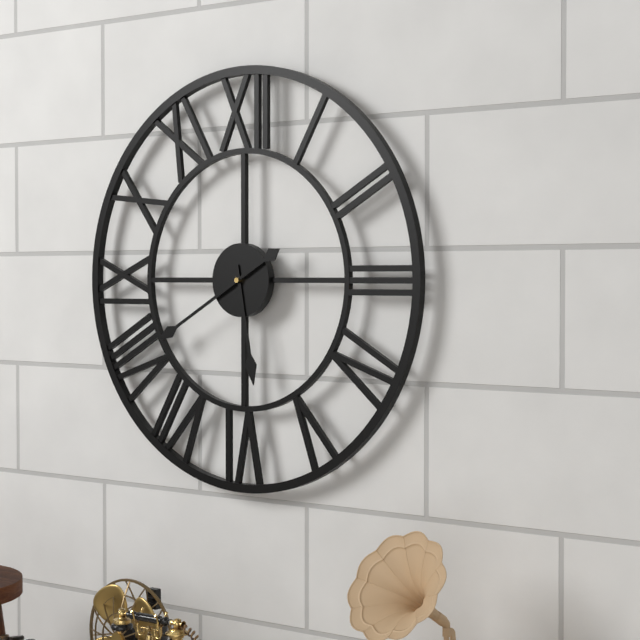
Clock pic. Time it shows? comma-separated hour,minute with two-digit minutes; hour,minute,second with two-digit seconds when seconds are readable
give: 5,40
